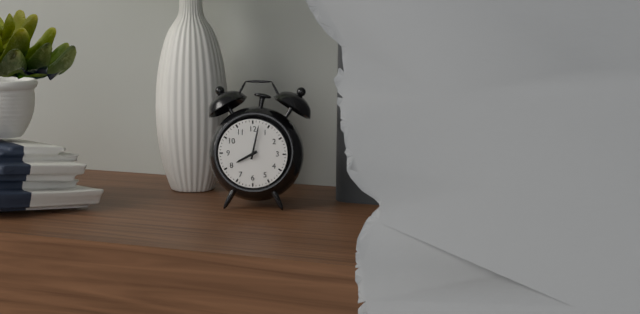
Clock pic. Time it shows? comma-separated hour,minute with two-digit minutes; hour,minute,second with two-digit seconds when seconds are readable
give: 8,02
